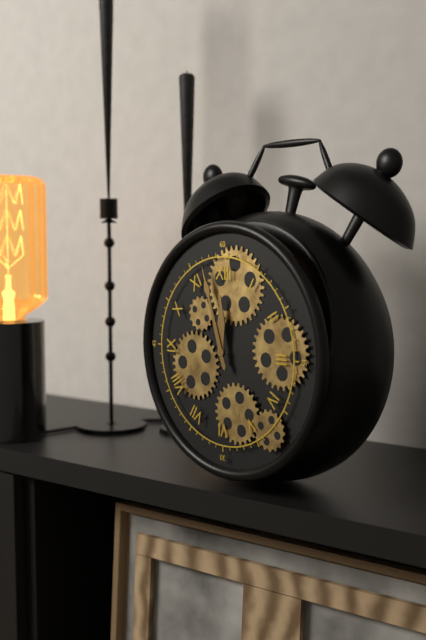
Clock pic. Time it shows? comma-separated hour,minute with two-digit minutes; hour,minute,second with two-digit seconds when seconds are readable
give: 11,57
